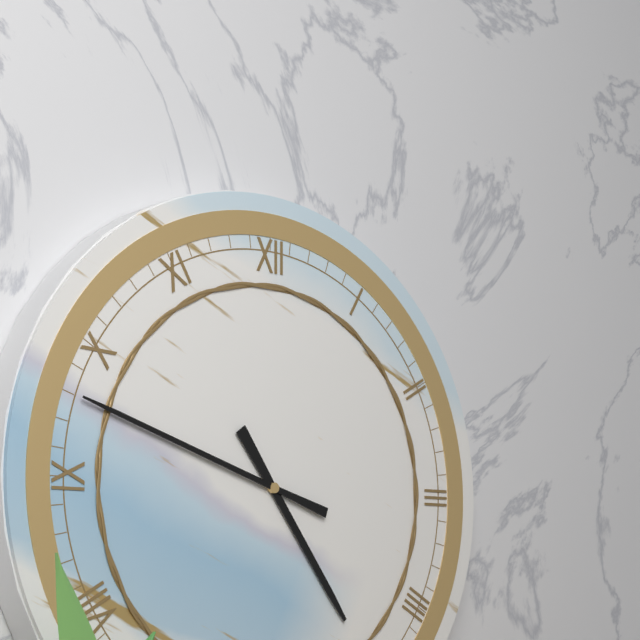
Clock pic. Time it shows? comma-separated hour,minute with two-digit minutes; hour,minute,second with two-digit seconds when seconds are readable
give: 4,48
